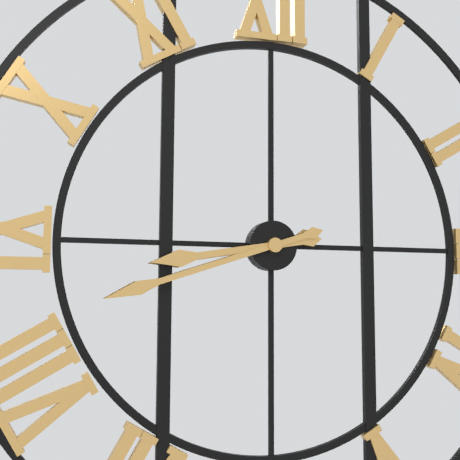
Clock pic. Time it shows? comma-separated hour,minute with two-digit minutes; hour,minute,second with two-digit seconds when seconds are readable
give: 8,42
